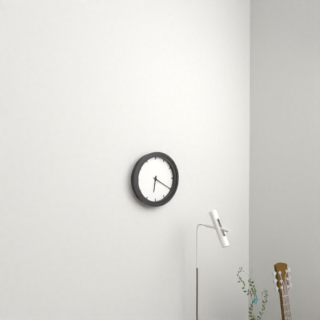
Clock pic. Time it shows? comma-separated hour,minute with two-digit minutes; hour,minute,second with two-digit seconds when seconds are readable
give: 6,20
